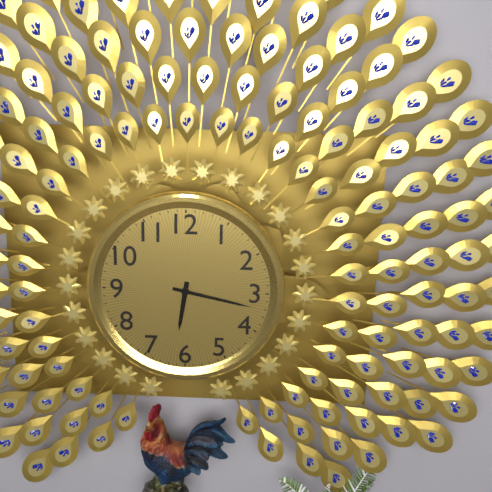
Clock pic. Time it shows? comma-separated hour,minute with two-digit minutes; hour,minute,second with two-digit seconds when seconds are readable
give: 6,17
